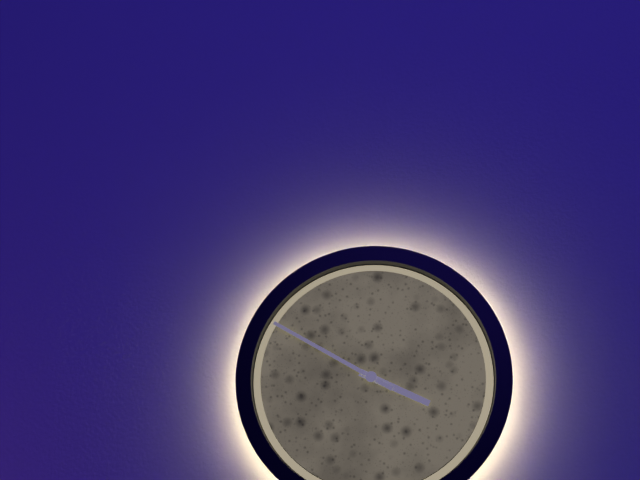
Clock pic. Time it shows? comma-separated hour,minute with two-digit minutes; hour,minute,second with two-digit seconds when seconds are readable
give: 3,50
